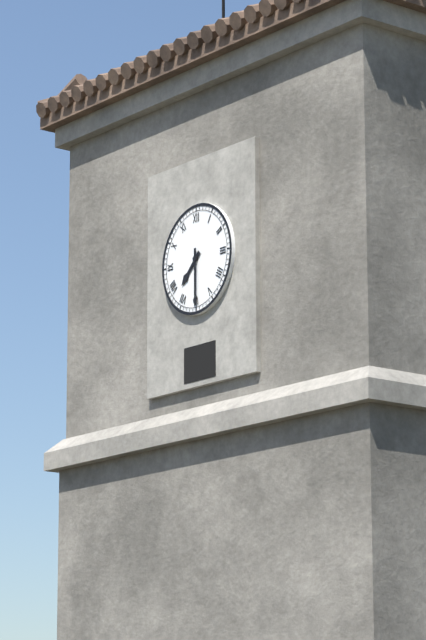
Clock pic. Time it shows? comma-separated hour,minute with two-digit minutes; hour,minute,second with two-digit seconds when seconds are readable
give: 7,30
